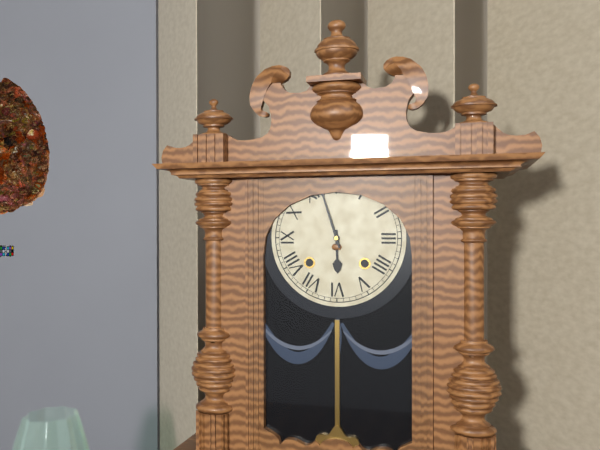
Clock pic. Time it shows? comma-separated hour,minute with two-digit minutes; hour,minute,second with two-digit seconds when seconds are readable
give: 5,57
